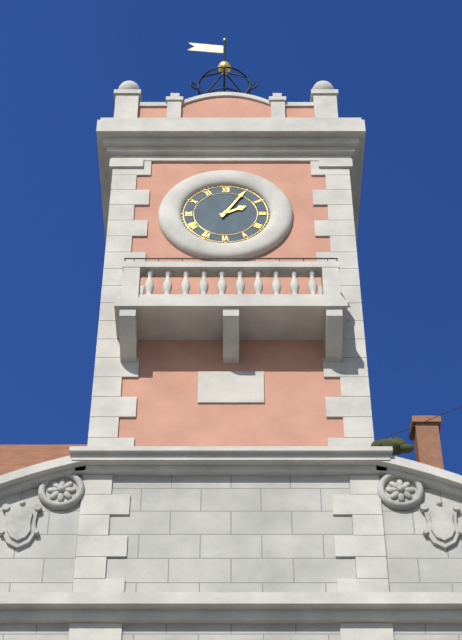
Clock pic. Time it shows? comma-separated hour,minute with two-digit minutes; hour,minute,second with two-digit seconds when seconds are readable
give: 2,05
